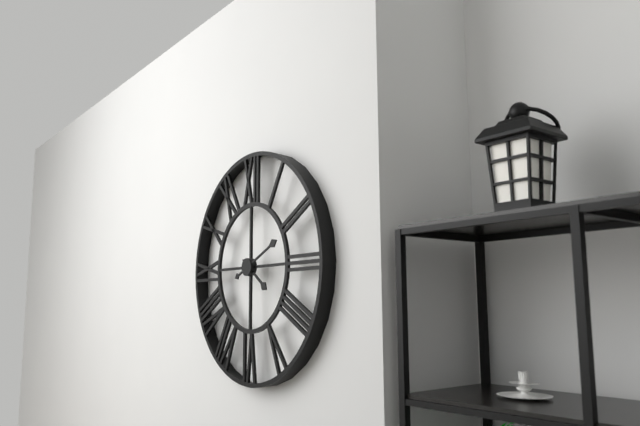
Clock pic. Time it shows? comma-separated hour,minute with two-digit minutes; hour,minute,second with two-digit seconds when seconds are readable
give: 4,11
